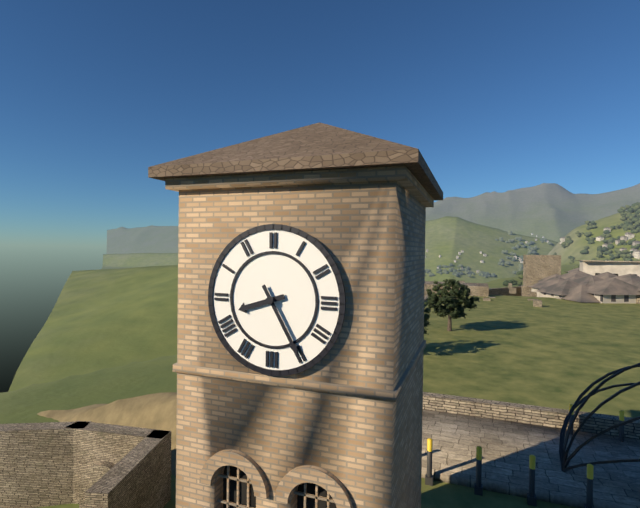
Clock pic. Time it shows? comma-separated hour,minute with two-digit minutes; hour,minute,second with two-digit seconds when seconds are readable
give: 8,25
